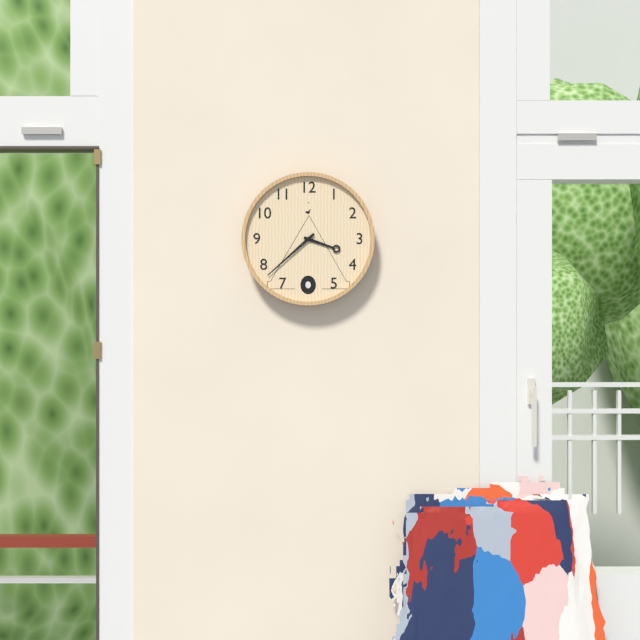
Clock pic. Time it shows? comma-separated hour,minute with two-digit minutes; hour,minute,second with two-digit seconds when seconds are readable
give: 3,38
